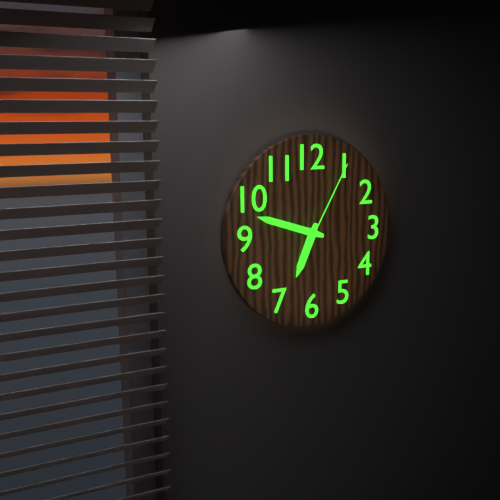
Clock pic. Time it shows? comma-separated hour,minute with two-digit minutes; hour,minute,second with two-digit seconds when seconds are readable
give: 6,48,05
